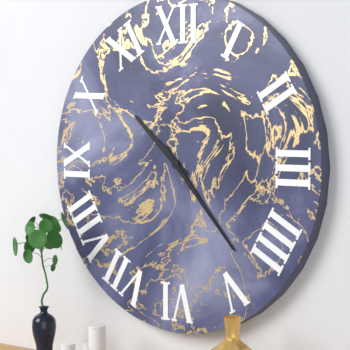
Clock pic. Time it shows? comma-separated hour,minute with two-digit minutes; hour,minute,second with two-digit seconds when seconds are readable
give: 10,23
